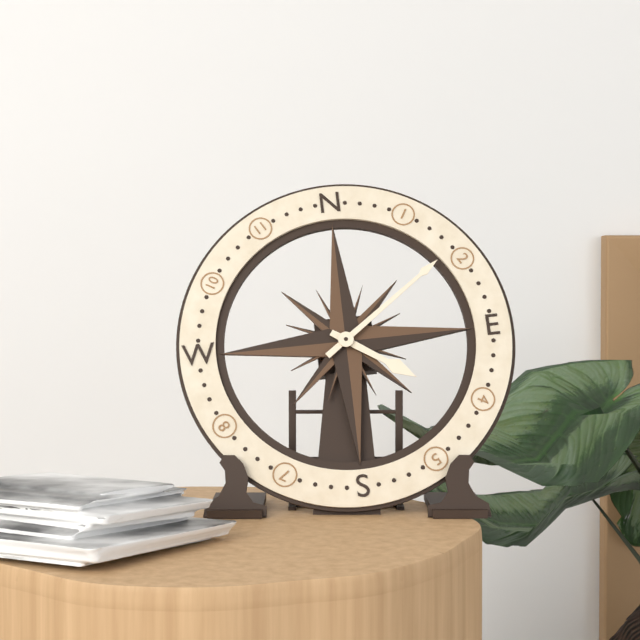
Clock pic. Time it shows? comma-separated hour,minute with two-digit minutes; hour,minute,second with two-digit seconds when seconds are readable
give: 4,09
